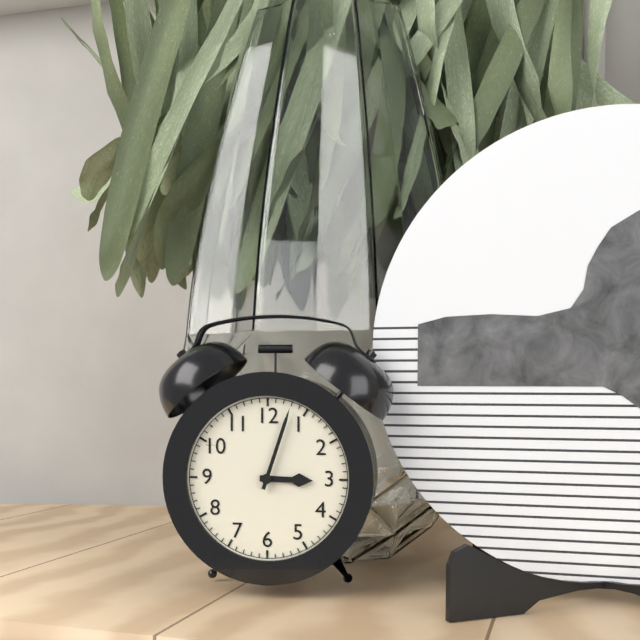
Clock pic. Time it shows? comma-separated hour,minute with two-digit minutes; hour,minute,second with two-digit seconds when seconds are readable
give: 3,03
